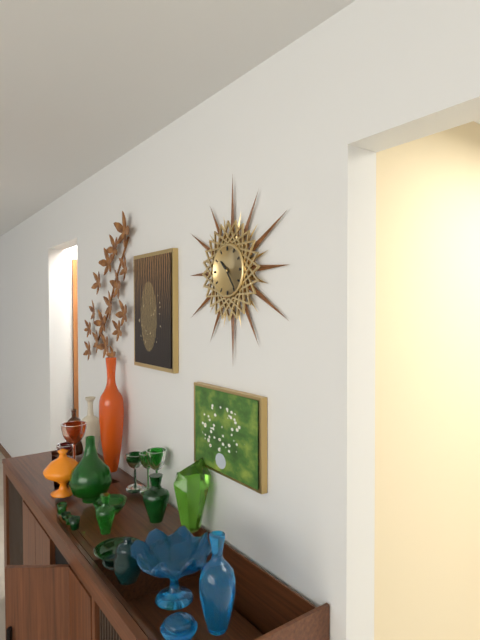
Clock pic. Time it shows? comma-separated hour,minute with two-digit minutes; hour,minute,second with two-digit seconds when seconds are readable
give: 10,24
